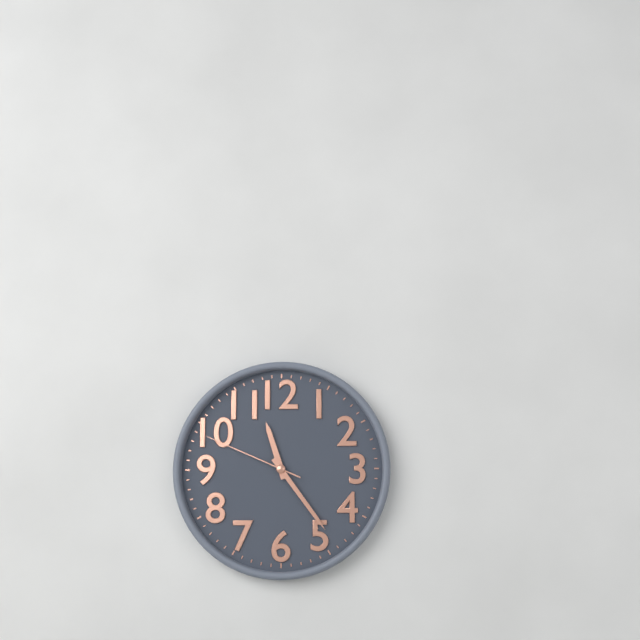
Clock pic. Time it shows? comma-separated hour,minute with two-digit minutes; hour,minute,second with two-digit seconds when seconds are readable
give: 11,24,49
